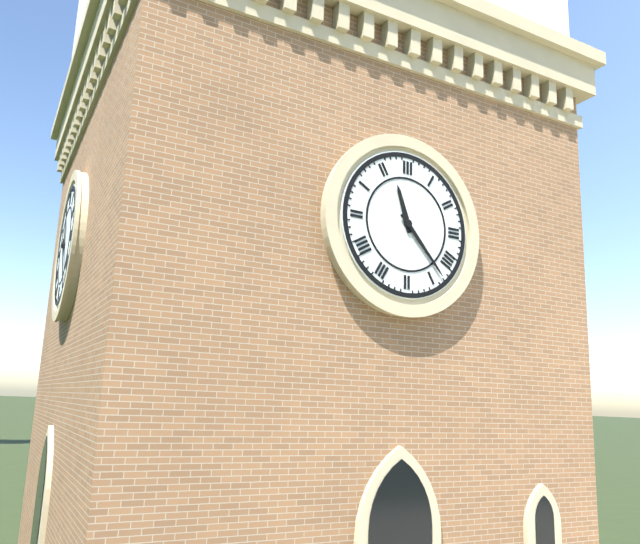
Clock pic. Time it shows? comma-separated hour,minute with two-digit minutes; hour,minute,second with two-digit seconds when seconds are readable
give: 11,23
